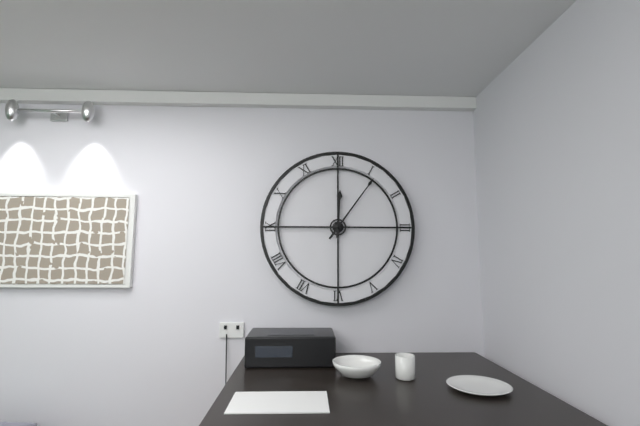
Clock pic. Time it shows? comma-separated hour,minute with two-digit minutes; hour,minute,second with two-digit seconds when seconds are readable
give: 12,06
